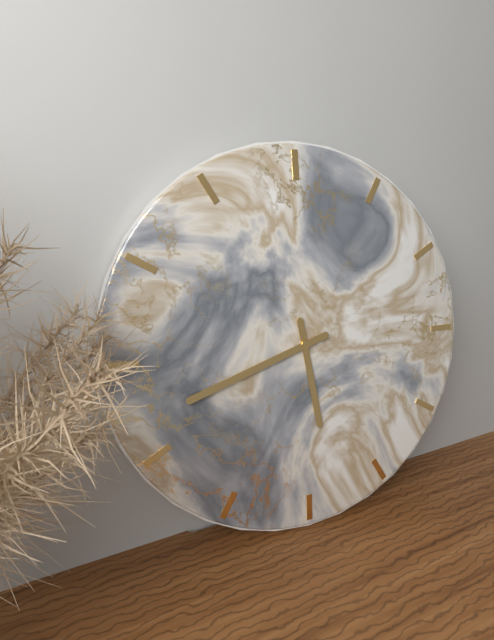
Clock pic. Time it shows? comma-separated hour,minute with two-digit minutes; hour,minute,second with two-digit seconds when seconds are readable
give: 5,42
